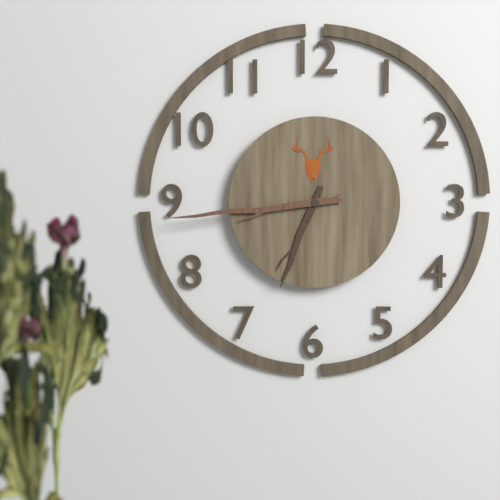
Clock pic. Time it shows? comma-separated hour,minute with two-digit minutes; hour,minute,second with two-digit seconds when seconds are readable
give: 6,44
